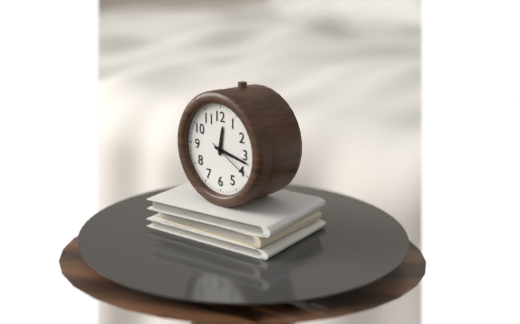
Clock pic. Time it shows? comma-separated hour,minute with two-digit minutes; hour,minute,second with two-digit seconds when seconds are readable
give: 12,17
